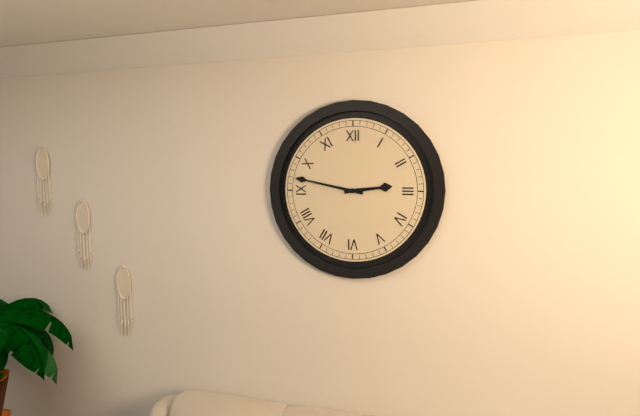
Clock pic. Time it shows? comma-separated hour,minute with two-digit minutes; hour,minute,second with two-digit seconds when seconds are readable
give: 2,47
